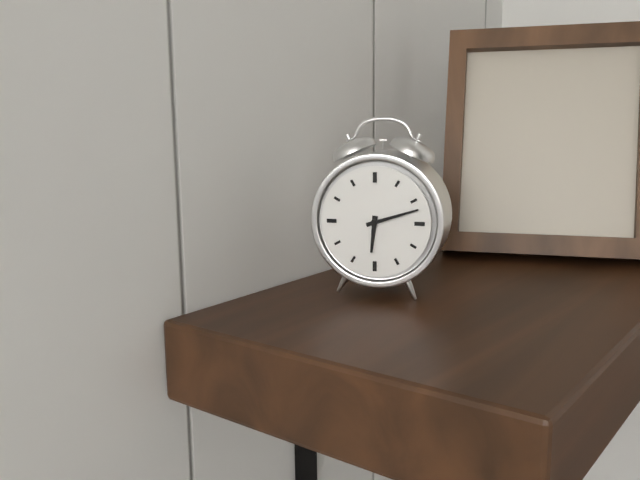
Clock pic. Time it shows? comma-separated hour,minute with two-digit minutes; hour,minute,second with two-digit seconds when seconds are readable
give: 6,12
